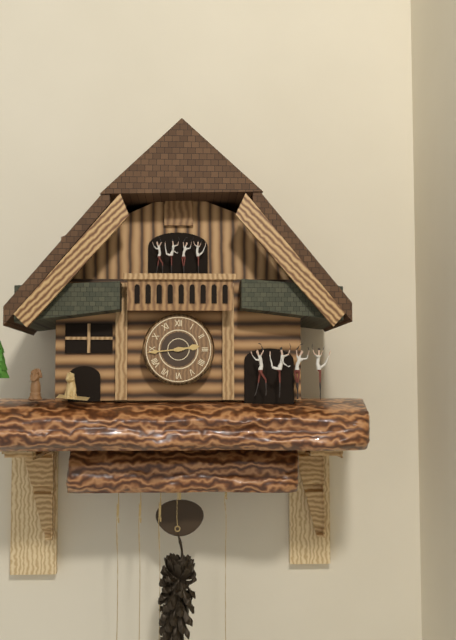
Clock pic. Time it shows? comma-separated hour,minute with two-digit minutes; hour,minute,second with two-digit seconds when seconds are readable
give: 2,44
